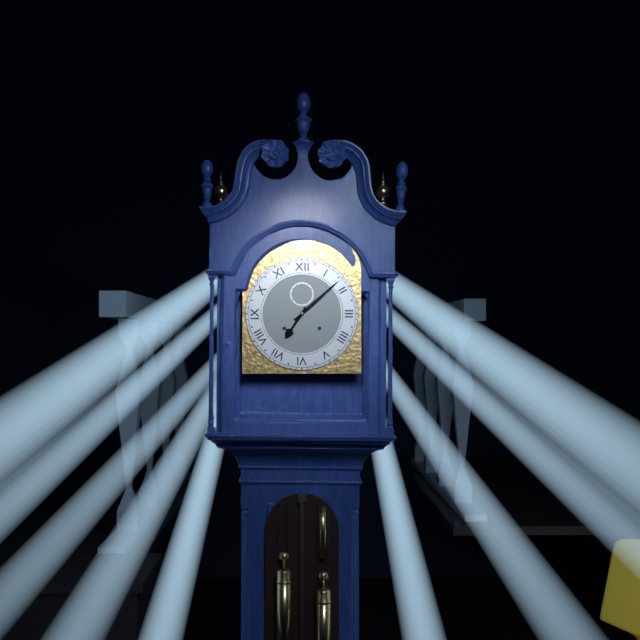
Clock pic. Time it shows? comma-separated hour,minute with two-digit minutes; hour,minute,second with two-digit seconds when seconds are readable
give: 7,08
